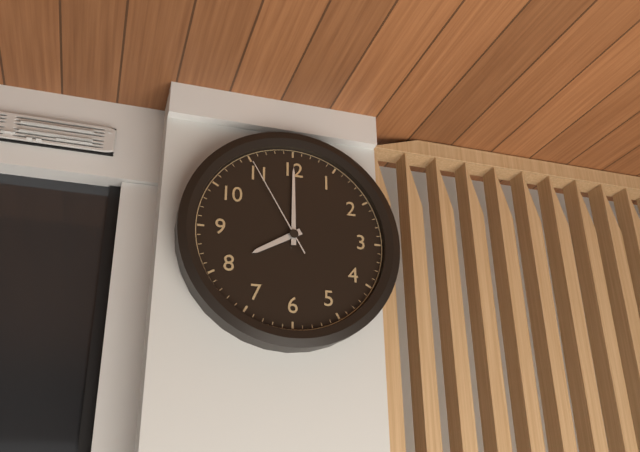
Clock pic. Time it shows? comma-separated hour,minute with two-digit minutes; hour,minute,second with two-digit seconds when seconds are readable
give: 8,00,55
